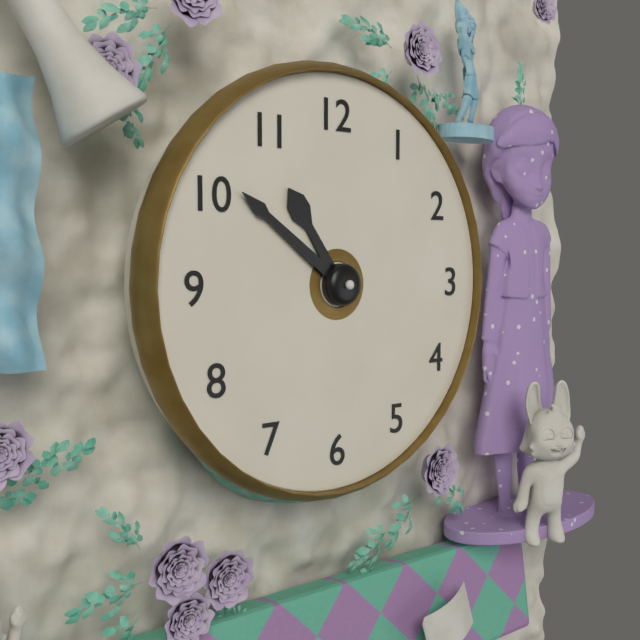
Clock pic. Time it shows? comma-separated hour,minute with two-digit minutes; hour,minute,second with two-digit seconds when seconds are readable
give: 10,51
